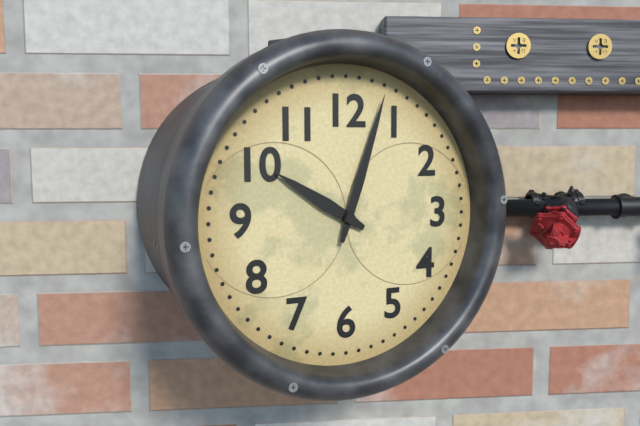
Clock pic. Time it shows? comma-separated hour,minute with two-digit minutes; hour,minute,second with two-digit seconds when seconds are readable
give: 10,03
